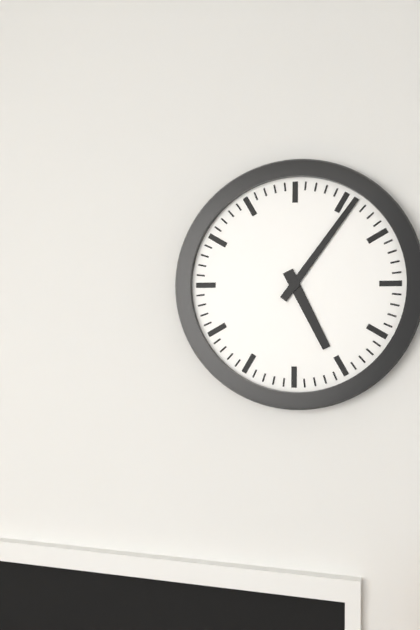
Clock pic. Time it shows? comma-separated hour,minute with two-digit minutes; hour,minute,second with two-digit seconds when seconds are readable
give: 5,06
